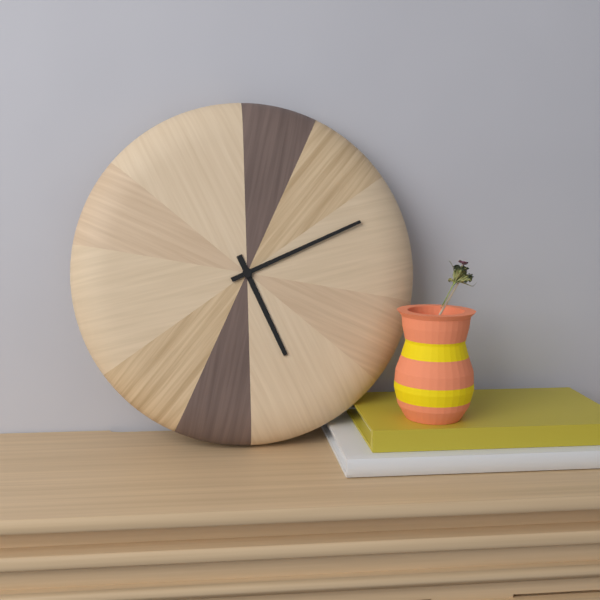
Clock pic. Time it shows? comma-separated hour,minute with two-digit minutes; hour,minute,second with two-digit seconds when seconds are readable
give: 5,11
